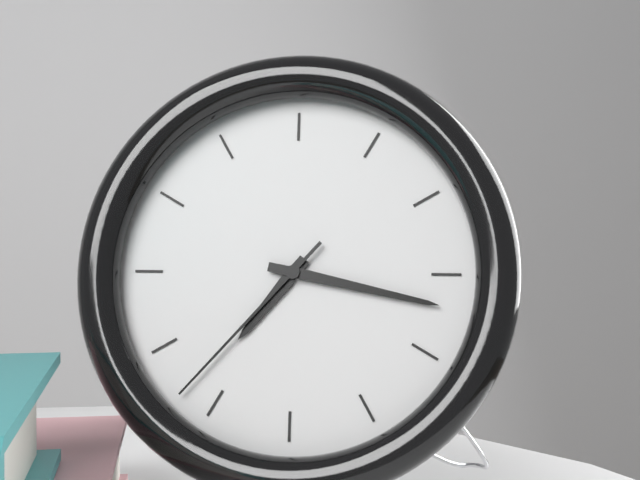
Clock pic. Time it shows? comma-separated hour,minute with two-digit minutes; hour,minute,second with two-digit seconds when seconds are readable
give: 7,17,37
